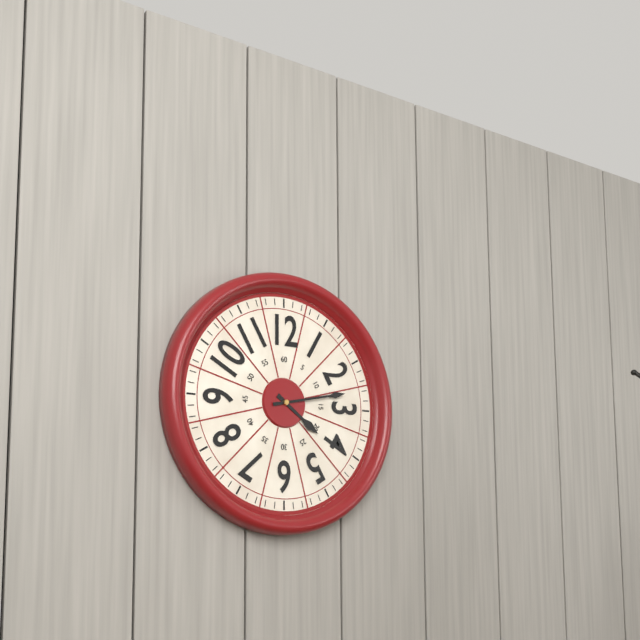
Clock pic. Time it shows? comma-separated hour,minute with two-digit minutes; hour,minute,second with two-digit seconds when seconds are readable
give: 4,13
